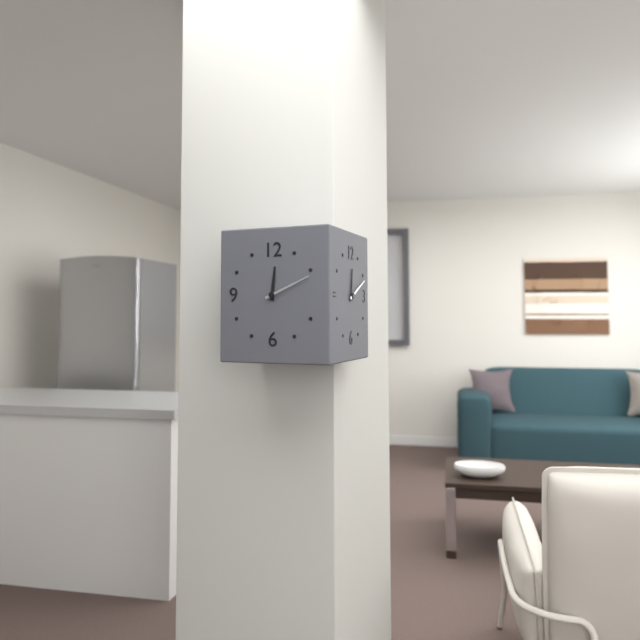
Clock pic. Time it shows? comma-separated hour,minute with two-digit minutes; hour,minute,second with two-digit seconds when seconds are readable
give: 12,11
